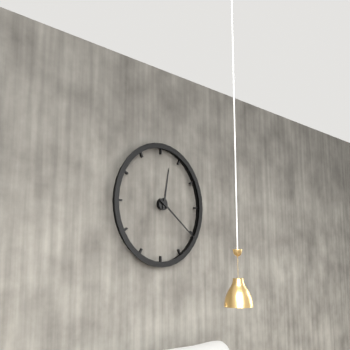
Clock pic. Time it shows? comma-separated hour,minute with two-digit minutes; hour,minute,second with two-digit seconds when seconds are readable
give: 12,21
